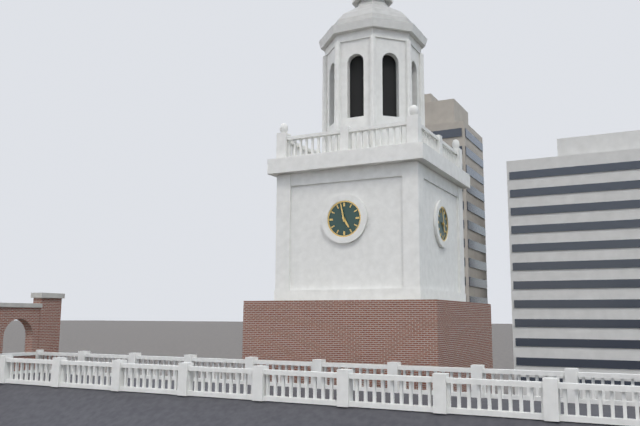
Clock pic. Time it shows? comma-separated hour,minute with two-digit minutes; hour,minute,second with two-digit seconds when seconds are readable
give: 4,58
